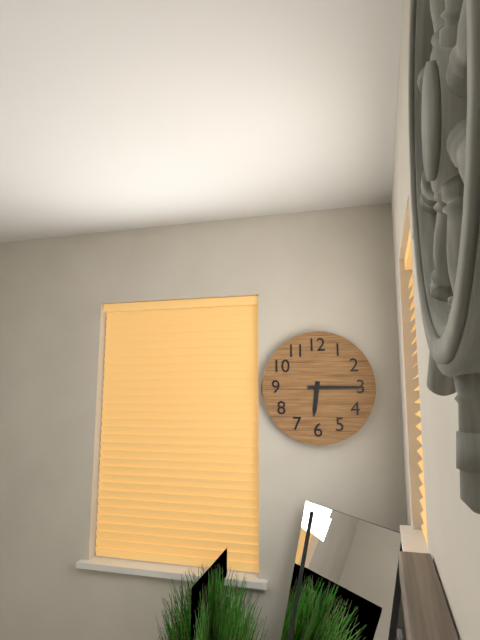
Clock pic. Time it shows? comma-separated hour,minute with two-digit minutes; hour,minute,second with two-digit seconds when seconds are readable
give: 6,15
